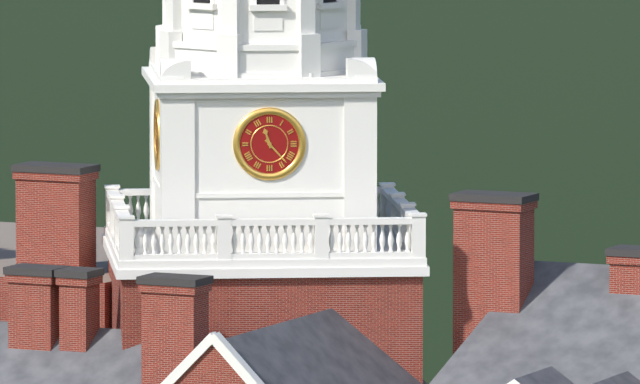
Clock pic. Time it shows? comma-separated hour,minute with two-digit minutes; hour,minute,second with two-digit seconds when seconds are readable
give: 11,23
